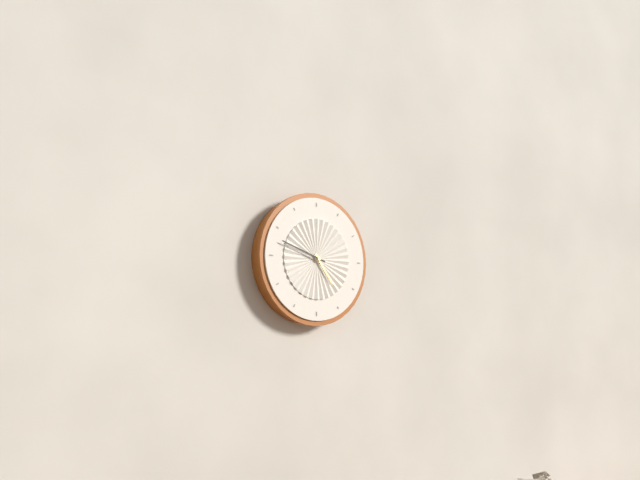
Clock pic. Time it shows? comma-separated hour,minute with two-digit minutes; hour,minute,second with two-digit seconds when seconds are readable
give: 4,48
